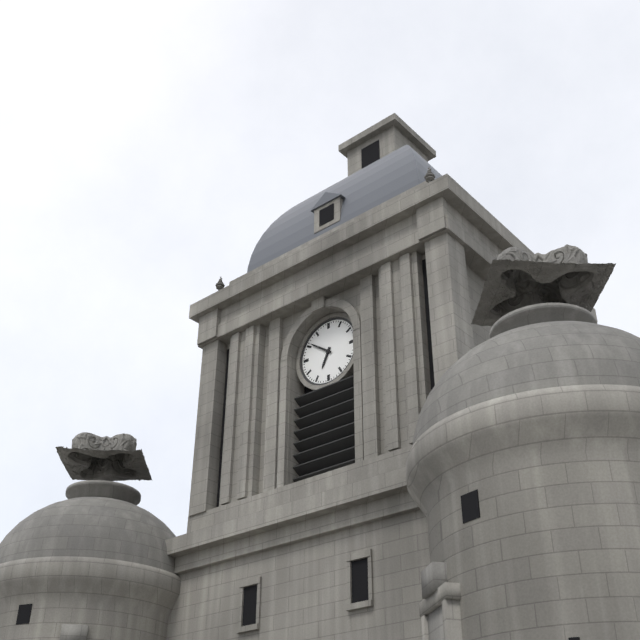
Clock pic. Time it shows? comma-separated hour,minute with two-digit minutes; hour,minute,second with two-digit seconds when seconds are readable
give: 6,51
